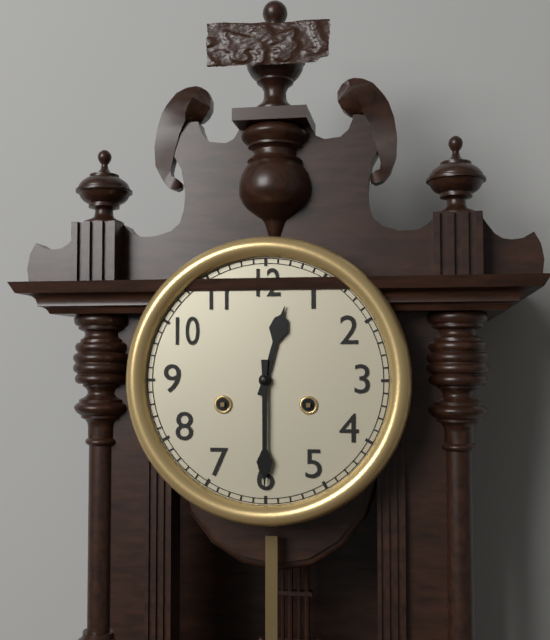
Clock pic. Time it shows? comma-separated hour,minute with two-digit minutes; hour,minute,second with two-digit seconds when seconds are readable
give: 12,30
